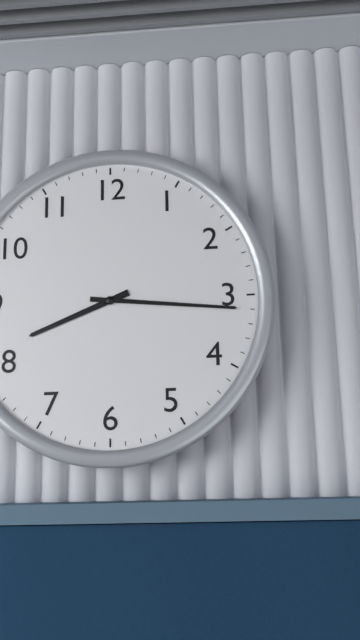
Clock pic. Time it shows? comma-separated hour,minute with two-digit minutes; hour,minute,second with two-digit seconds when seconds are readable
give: 8,16
